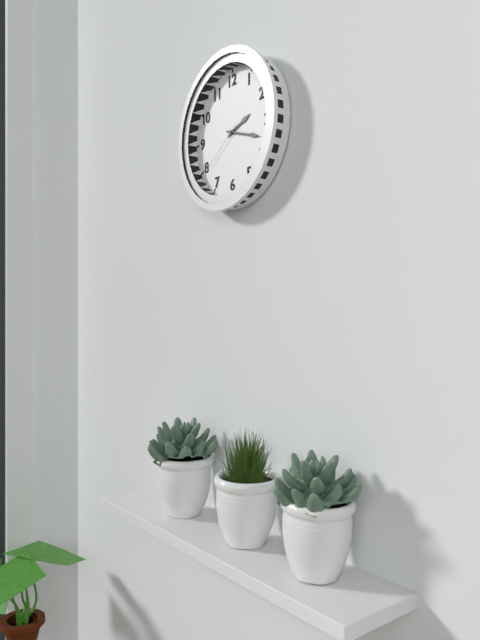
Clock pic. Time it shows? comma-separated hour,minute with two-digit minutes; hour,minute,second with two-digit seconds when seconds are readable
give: 2,18,39
